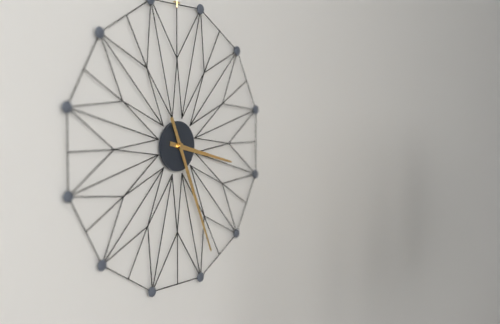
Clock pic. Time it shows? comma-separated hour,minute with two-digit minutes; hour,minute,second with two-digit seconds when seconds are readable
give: 3,26
